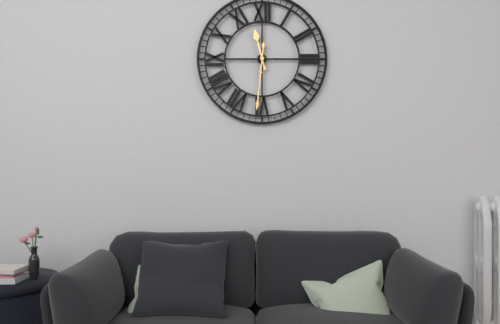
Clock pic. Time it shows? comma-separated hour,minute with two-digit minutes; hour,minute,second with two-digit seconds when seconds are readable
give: 11,31
